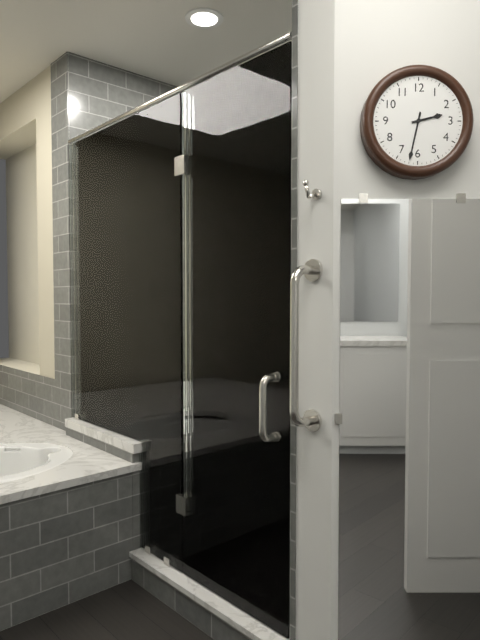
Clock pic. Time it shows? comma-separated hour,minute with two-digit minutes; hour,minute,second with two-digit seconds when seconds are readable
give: 2,32
